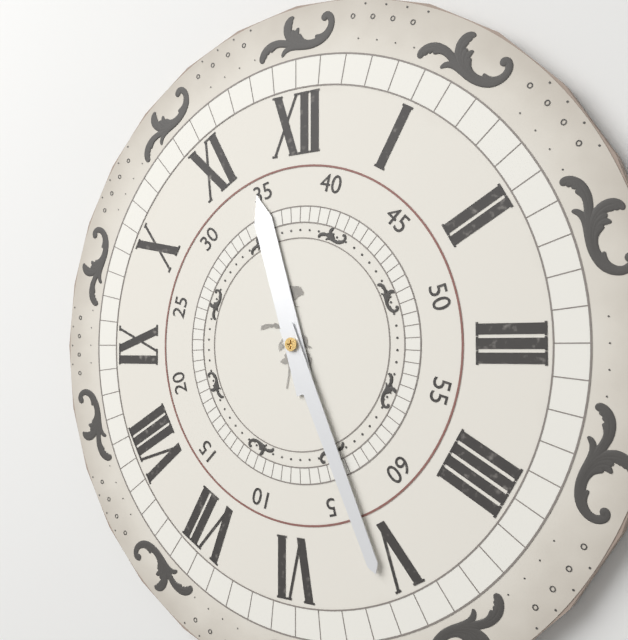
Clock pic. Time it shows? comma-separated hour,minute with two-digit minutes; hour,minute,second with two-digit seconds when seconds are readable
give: 11,26
